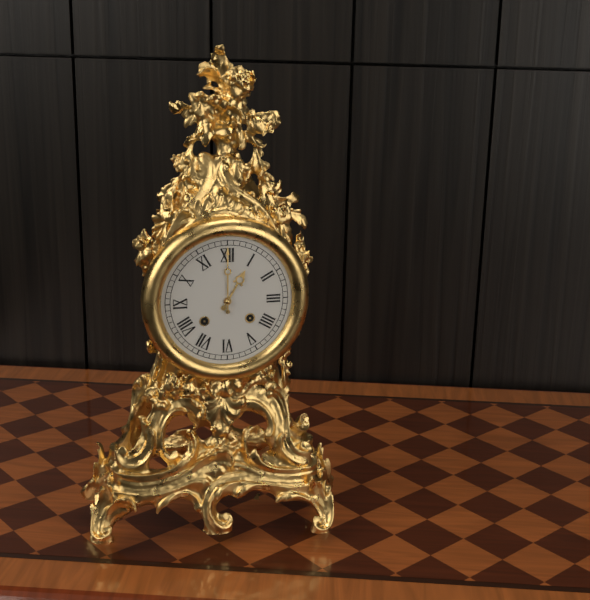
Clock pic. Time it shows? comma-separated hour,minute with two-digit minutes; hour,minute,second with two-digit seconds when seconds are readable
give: 1,00
